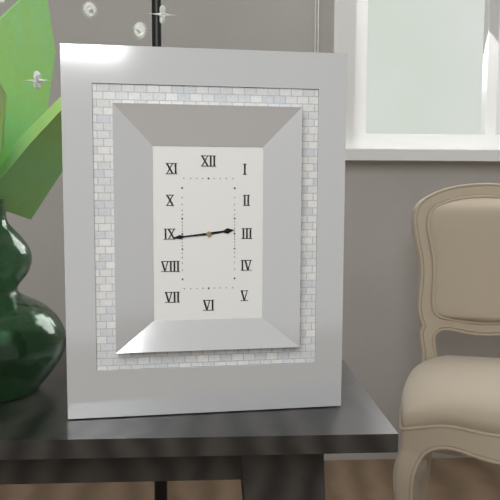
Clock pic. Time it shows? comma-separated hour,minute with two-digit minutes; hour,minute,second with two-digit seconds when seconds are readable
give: 2,44
